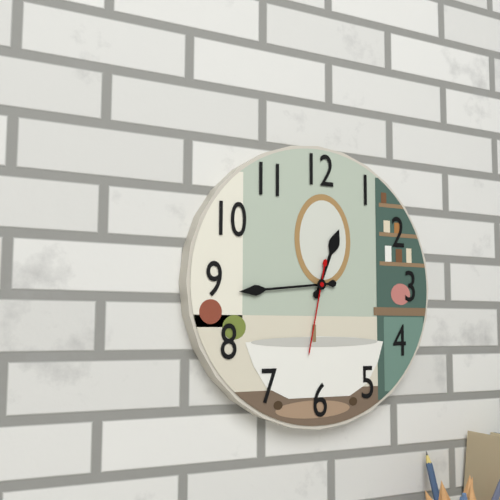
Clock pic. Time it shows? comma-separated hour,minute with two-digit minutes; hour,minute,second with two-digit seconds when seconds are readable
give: 12,44,32
